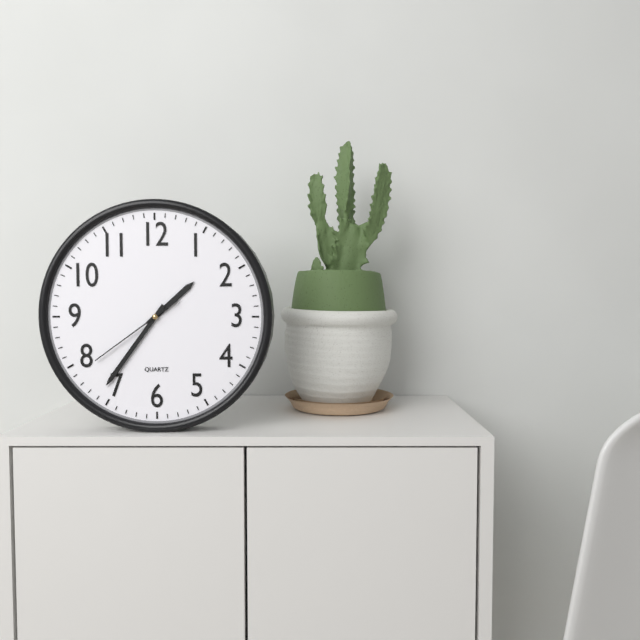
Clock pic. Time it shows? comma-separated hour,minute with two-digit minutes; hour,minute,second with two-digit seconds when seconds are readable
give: 1,36,39
